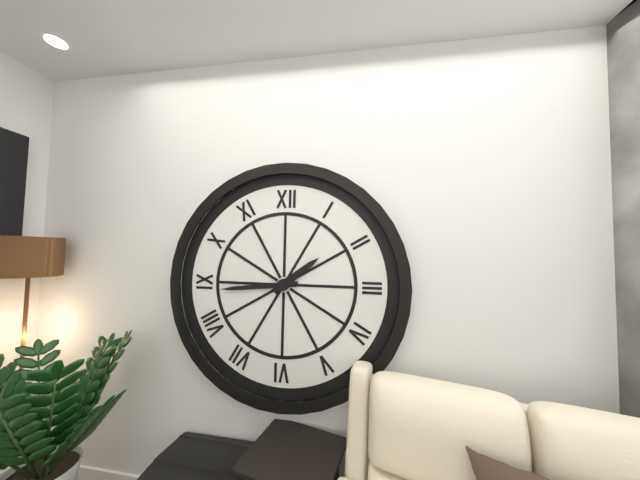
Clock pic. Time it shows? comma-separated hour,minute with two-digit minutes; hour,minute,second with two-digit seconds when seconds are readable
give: 1,44
